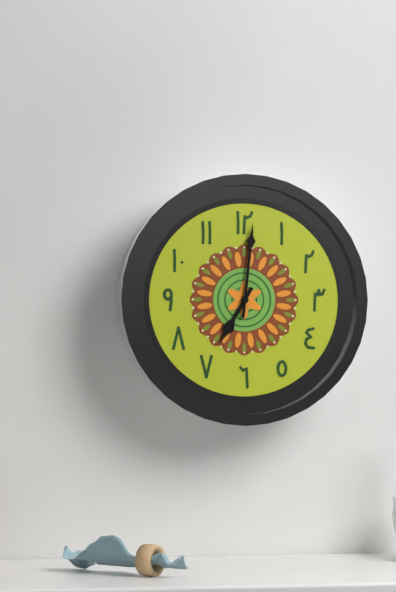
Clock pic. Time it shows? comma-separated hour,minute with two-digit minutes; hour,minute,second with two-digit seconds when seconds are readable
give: 7,01
